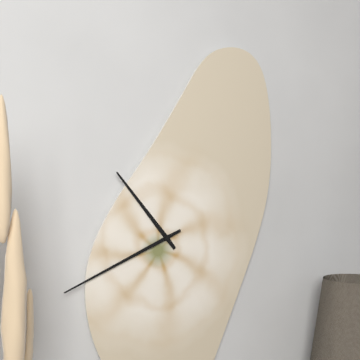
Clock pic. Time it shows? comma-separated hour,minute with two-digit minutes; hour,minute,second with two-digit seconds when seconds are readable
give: 10,41
